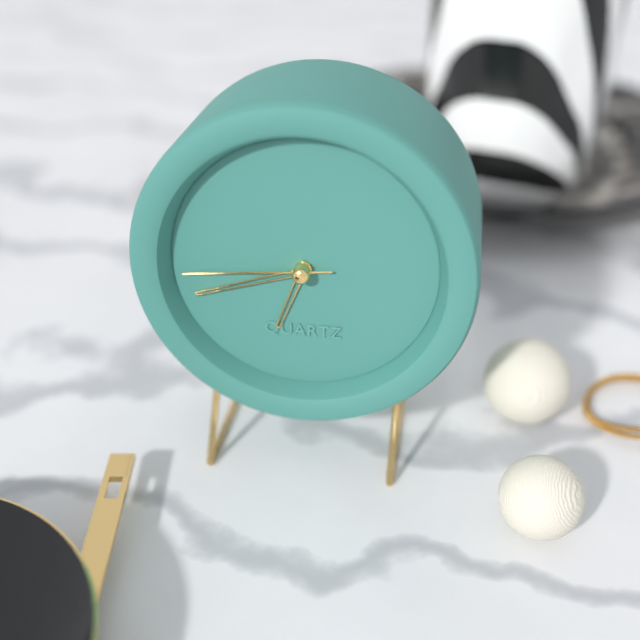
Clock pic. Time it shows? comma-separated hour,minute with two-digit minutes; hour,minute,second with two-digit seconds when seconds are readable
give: 6,42,44
